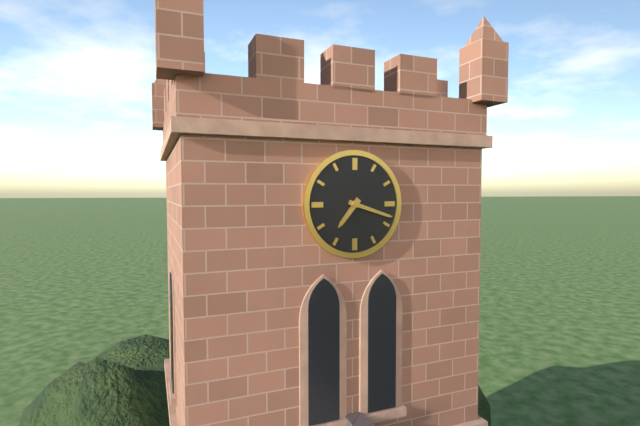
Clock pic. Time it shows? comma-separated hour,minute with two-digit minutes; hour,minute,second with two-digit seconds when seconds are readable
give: 7,18
